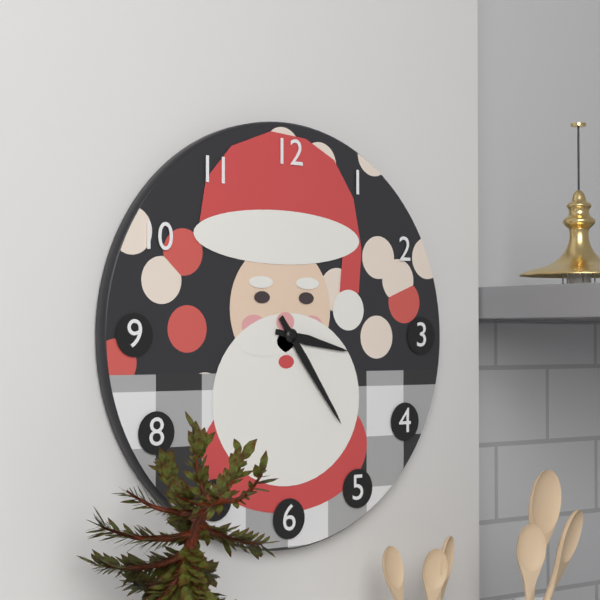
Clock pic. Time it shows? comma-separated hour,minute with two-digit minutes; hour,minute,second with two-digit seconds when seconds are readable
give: 3,24
